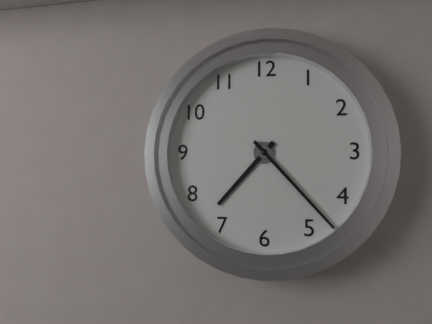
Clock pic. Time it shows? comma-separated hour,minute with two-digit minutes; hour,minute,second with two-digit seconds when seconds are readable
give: 7,23
